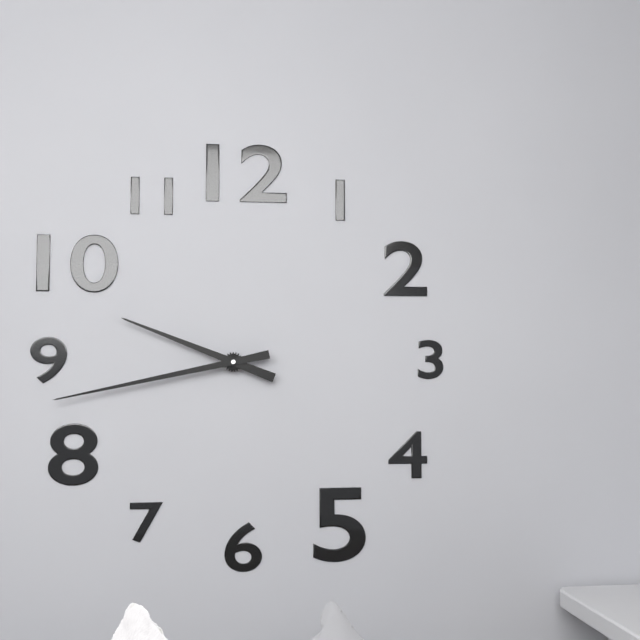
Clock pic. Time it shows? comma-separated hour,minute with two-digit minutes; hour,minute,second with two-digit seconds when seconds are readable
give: 9,43
